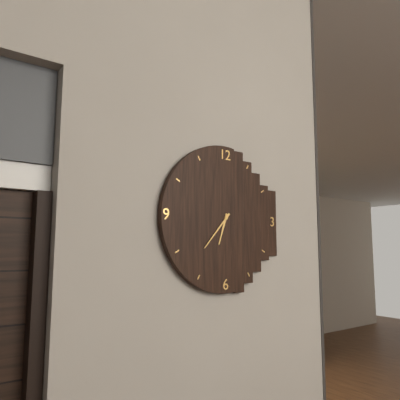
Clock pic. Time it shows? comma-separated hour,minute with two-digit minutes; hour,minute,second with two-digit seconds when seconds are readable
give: 6,37
